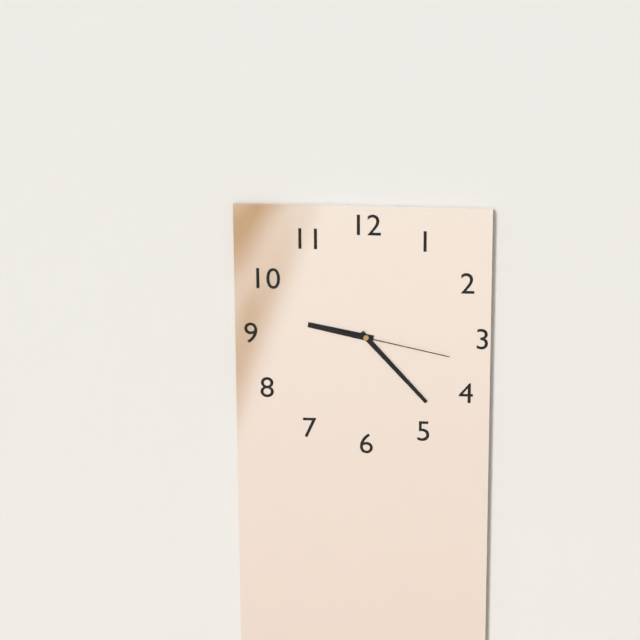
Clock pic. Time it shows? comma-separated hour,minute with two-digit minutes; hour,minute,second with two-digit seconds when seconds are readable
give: 9,23,17
